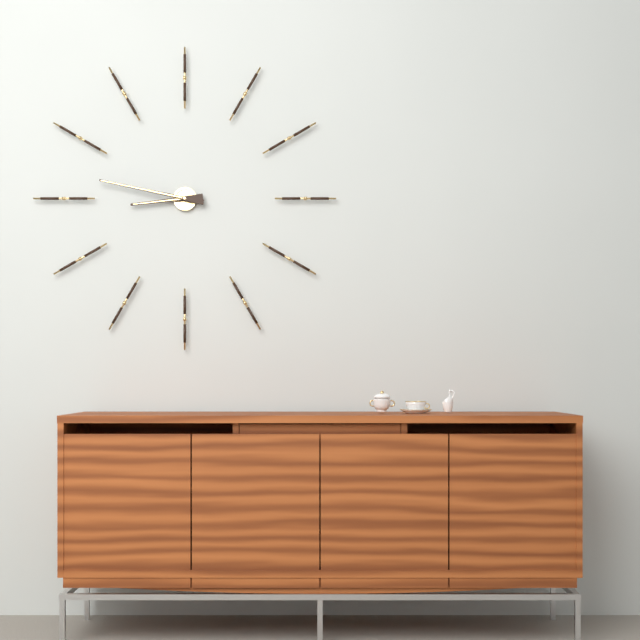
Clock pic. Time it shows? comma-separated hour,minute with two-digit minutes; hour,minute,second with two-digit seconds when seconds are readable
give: 8,47
